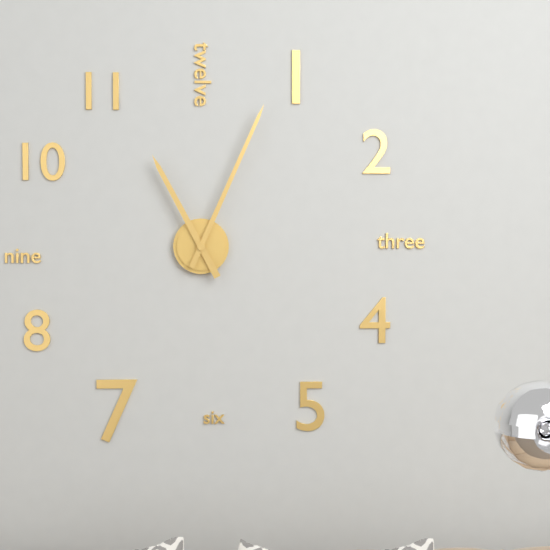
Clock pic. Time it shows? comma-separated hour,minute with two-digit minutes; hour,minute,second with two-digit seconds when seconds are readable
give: 11,04
